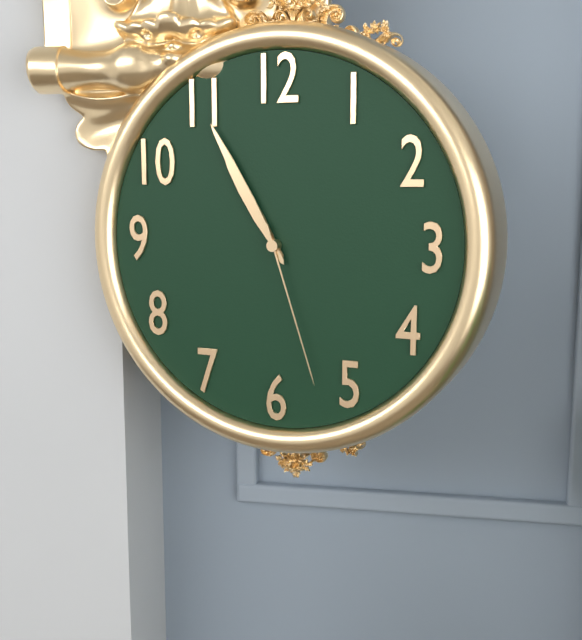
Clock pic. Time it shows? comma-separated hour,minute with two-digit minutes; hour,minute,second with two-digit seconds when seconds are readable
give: 10,55,27
